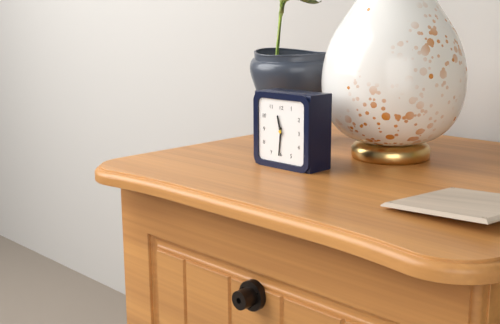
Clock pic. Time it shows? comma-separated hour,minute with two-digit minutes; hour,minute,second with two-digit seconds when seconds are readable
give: 11,31
